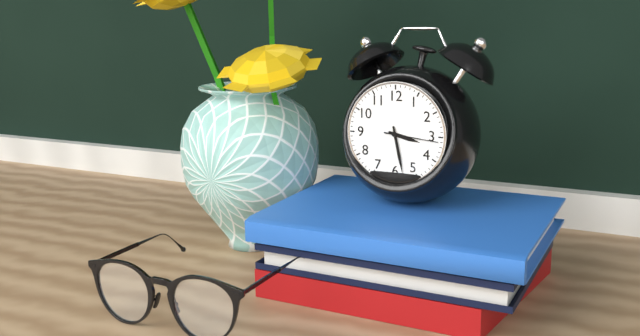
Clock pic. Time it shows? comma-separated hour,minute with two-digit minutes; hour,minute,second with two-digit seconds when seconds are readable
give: 3,28,16
